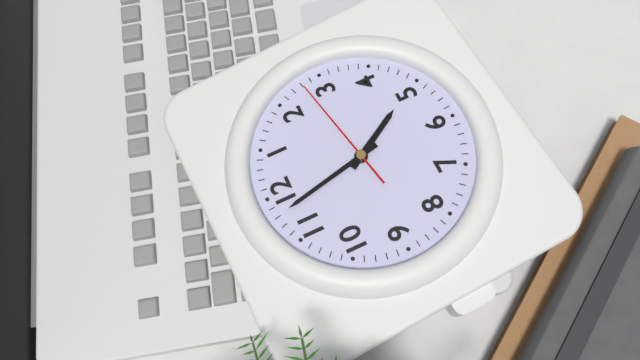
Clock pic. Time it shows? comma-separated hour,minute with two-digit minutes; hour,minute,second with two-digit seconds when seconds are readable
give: 4,58,13
